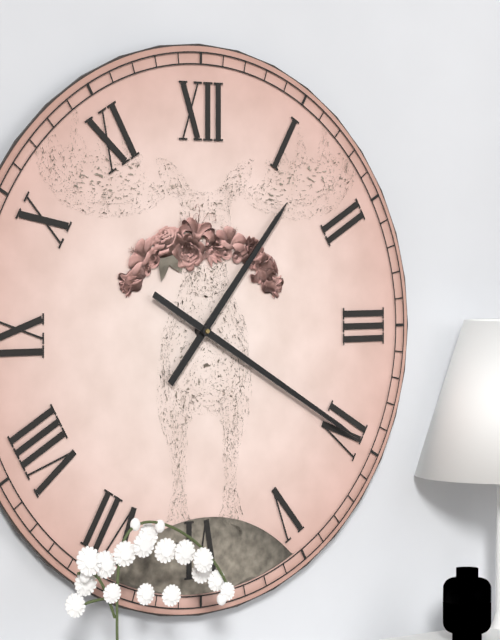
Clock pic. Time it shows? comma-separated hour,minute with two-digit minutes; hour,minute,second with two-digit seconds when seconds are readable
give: 1,20
